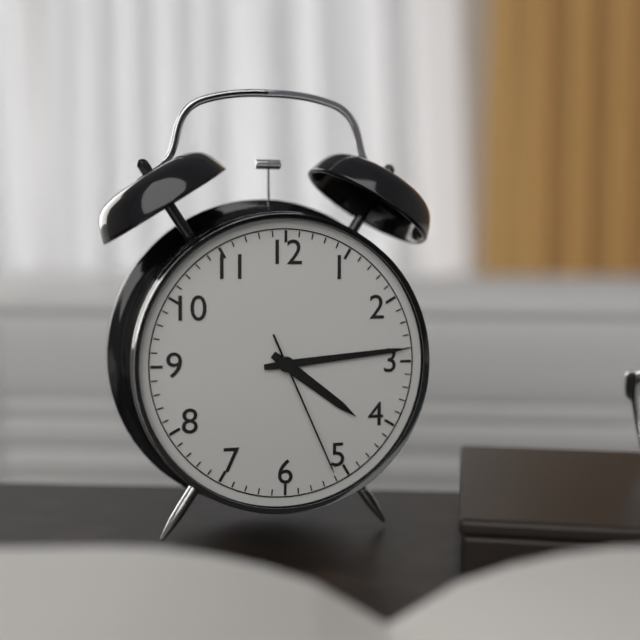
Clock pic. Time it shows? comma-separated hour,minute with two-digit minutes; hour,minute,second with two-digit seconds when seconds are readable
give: 4,14,26
